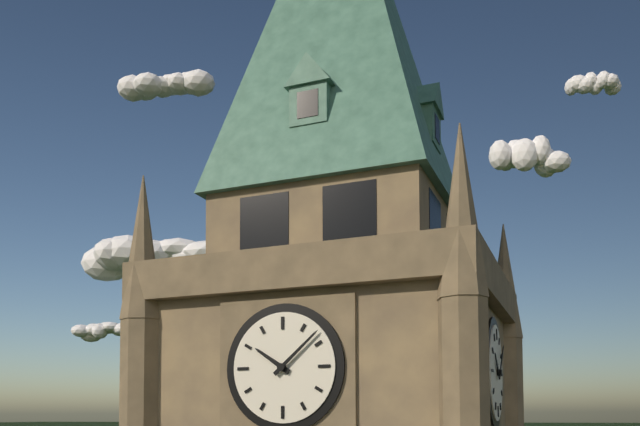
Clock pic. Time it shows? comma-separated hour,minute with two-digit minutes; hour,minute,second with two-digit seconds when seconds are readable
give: 10,08
